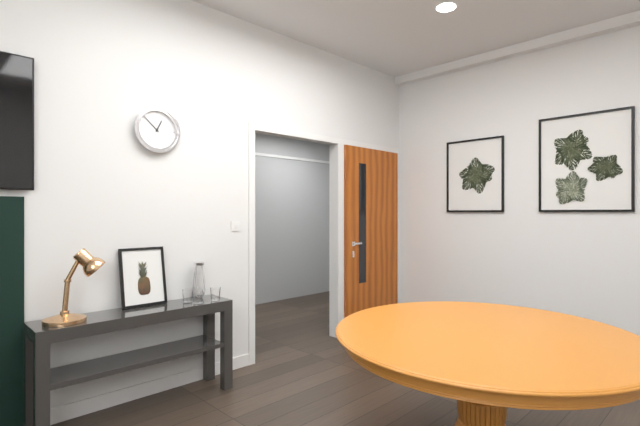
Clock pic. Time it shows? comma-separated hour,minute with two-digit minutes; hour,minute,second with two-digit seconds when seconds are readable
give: 12,52
